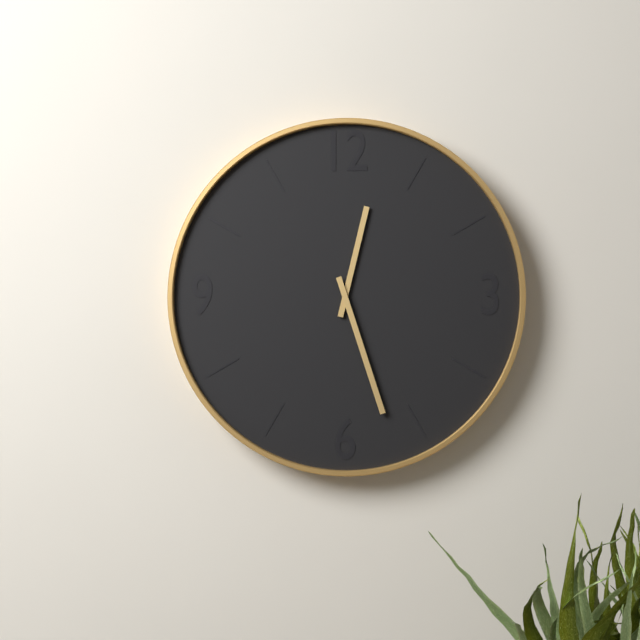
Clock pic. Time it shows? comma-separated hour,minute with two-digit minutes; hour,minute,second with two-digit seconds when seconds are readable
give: 12,27
